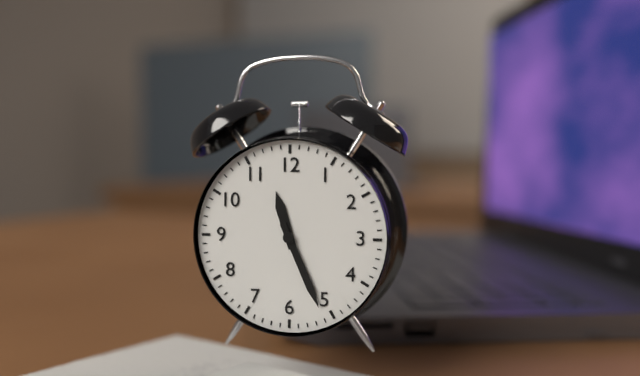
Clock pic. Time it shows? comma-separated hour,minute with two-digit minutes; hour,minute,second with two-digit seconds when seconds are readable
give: 11,26
